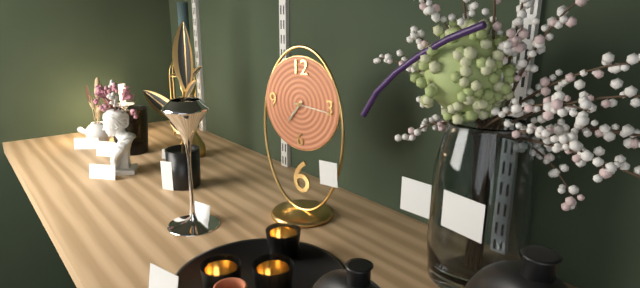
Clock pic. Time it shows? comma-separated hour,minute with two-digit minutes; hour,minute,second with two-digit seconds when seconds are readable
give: 7,16
